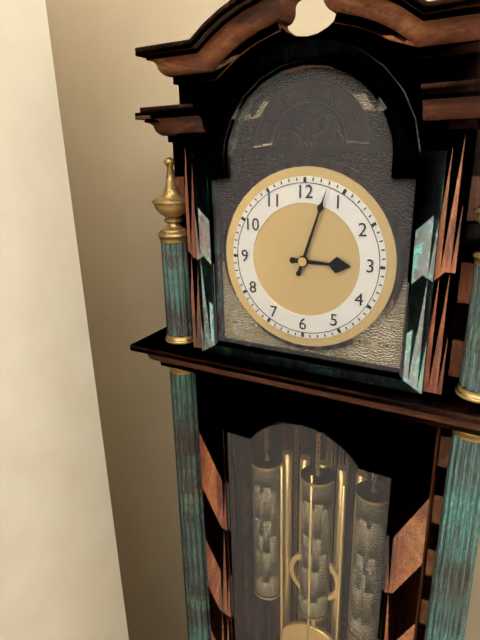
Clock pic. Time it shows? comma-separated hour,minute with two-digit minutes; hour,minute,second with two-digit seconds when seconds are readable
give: 3,03
